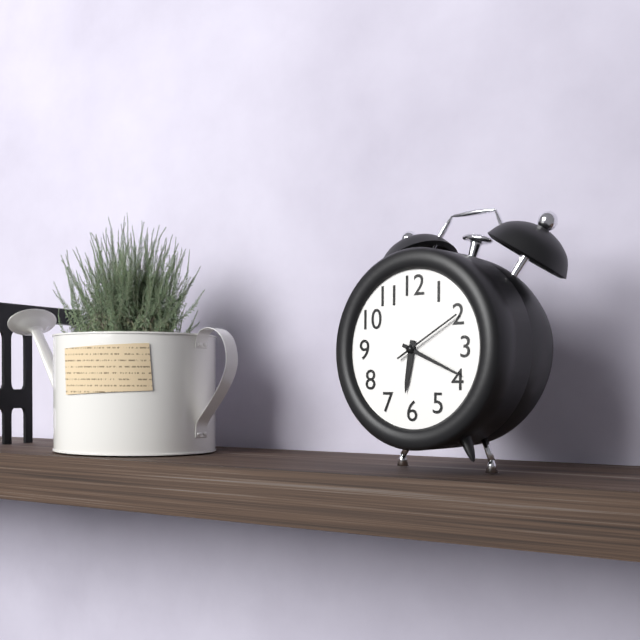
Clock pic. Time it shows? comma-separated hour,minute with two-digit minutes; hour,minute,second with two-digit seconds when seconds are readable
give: 6,19,10
